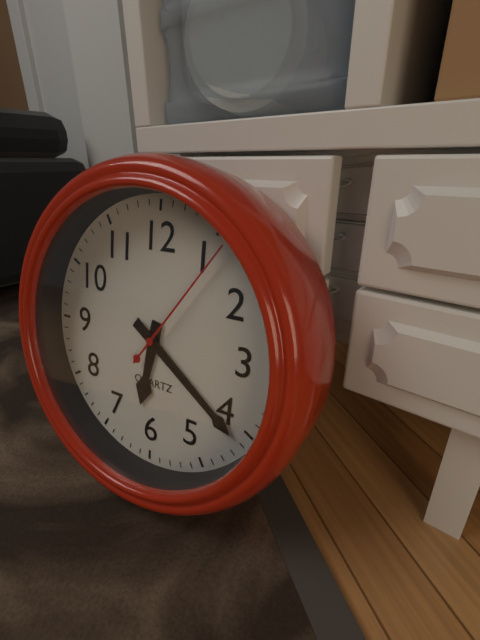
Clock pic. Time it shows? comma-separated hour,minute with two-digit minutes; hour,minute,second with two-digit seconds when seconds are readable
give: 6,21,06
